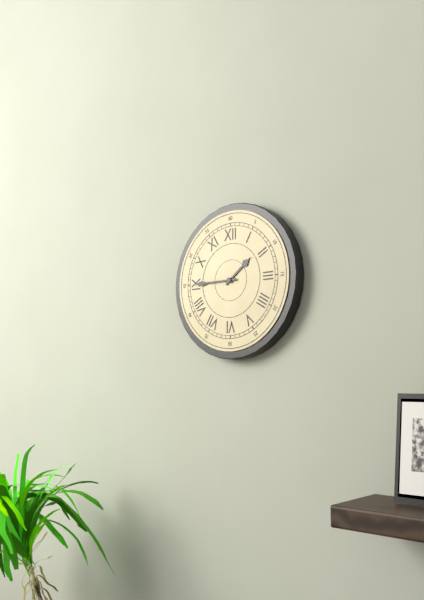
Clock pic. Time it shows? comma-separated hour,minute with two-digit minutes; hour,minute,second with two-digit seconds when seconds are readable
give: 1,45
